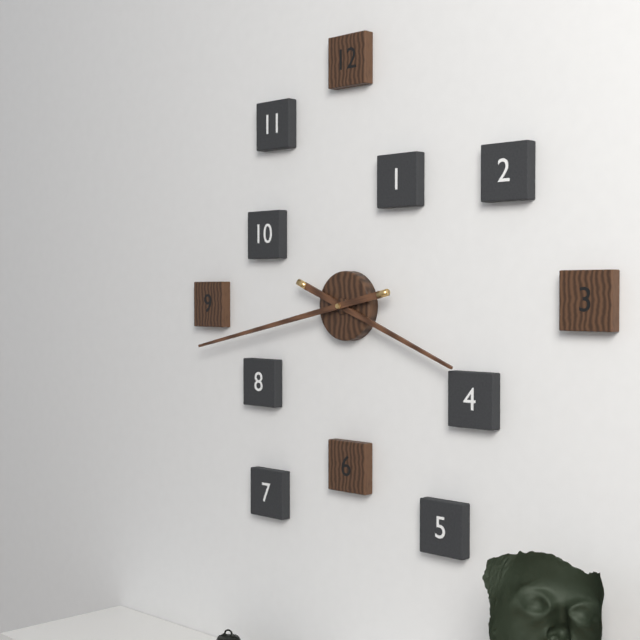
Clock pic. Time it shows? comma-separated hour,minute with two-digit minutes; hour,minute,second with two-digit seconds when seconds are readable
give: 3,43
